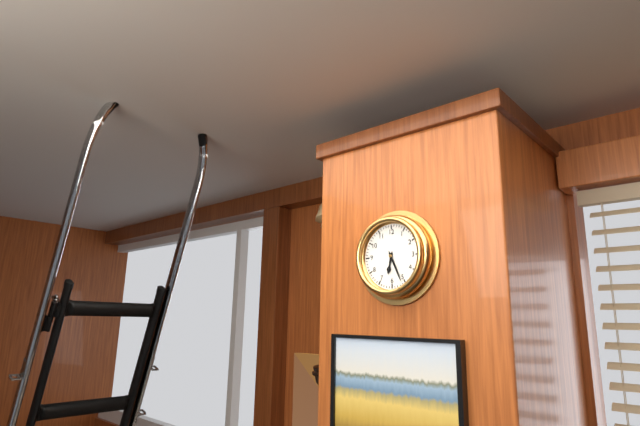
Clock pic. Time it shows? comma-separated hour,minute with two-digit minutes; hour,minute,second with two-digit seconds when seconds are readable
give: 6,26
